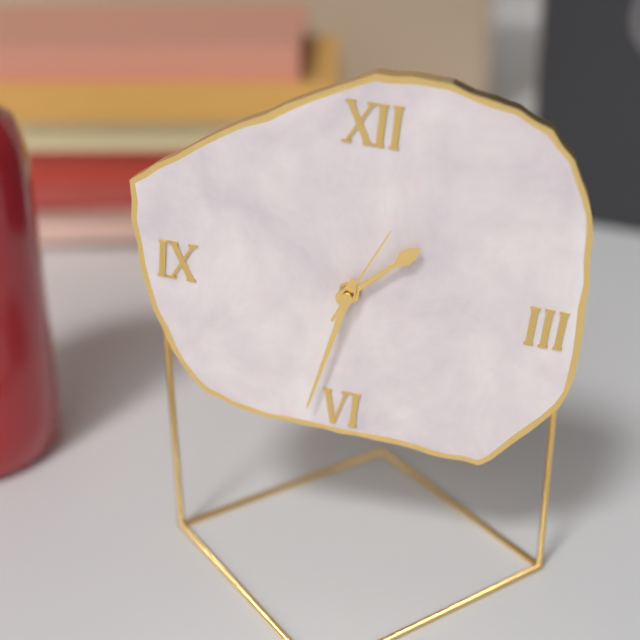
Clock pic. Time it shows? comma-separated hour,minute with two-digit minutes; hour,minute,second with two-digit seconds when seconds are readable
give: 1,32,04
